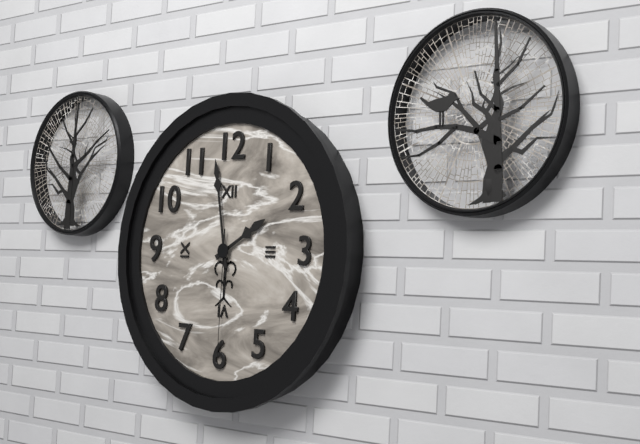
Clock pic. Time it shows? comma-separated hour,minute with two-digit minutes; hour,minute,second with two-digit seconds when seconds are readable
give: 1,58,30
